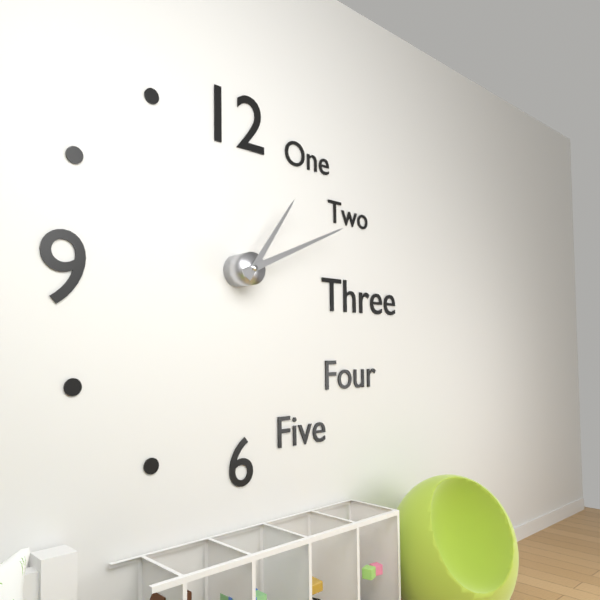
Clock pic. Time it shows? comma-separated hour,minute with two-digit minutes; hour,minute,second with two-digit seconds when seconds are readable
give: 1,11
